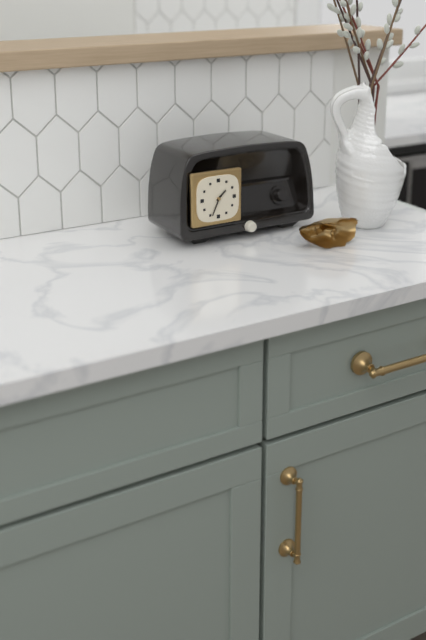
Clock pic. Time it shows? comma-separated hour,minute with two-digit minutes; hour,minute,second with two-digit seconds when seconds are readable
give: 1,34
